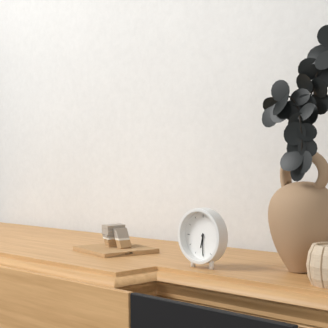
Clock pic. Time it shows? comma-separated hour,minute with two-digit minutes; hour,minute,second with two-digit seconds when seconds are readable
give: 6,30
